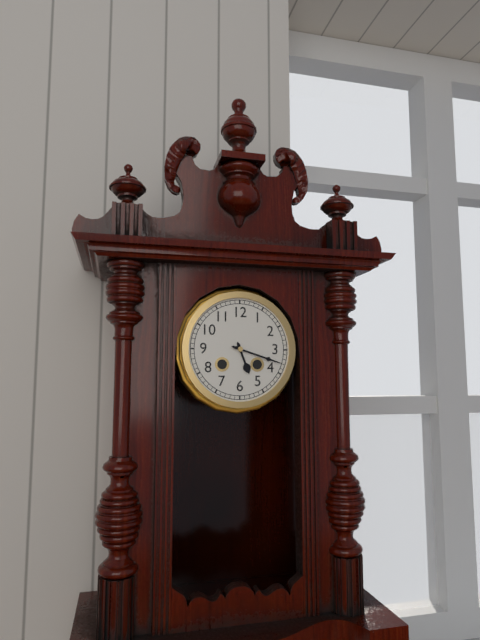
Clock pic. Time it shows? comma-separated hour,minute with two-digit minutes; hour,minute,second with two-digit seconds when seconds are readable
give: 5,18
